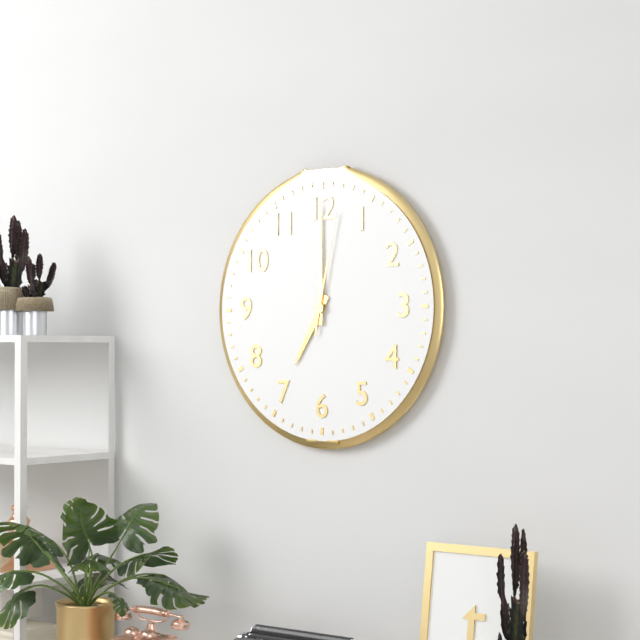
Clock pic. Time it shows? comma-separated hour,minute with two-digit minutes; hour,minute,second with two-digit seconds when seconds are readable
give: 7,00,02
